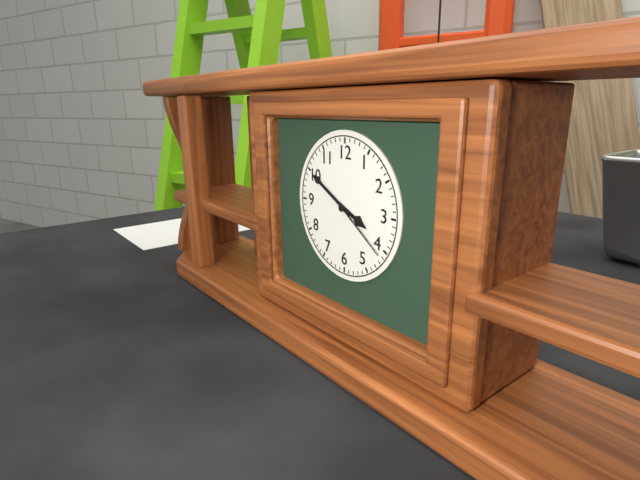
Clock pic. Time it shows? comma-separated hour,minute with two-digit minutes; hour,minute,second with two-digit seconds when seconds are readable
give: 3,50,21
